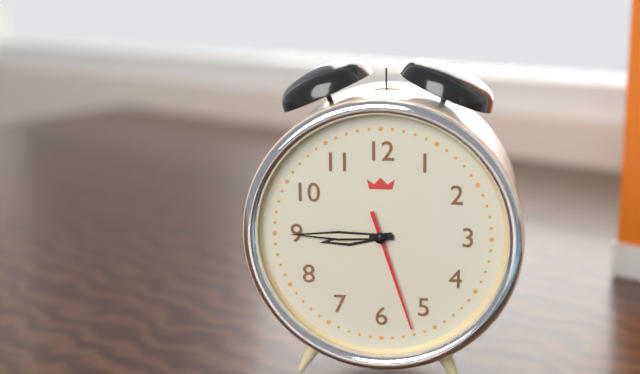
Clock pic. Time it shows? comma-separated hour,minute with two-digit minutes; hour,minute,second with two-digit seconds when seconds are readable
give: 8,45,27
